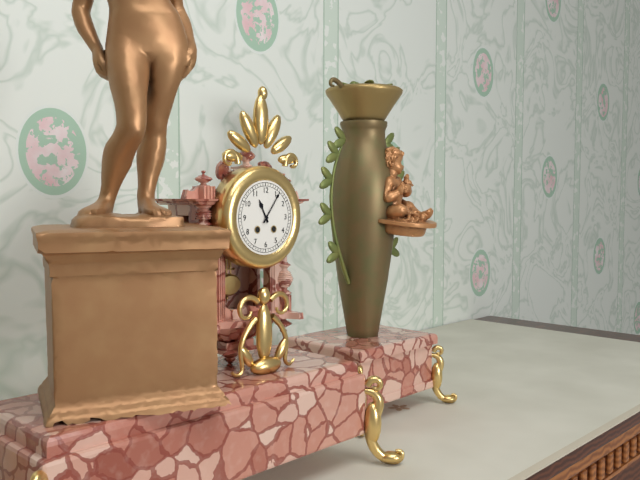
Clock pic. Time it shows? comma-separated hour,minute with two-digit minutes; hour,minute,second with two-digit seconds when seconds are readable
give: 11,06
